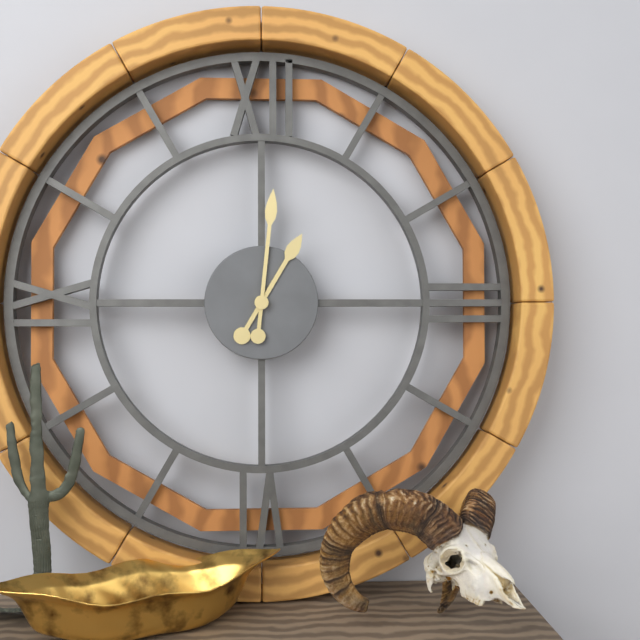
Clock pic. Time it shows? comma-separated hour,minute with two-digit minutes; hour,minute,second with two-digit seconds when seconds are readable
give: 1,01
